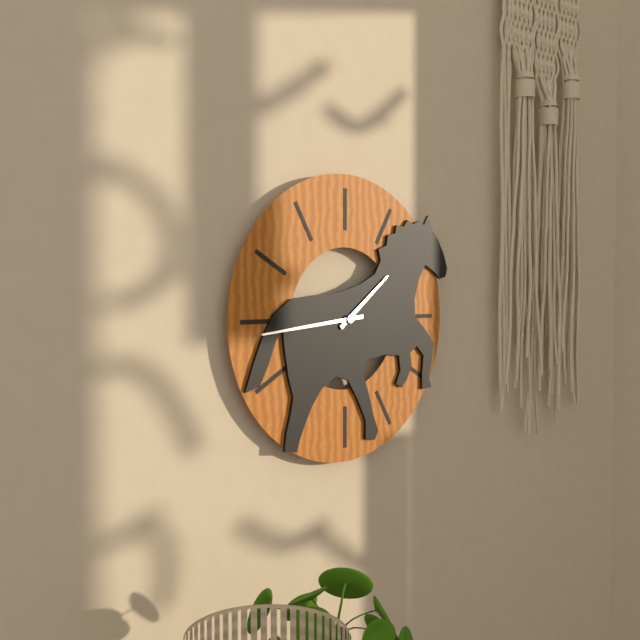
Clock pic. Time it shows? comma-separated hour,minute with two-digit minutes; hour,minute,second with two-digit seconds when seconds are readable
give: 1,44
